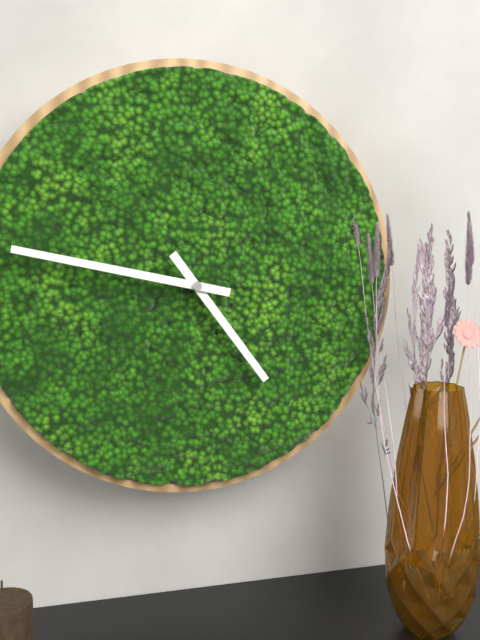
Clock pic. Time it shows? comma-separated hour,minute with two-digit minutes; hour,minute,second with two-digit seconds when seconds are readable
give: 4,47
